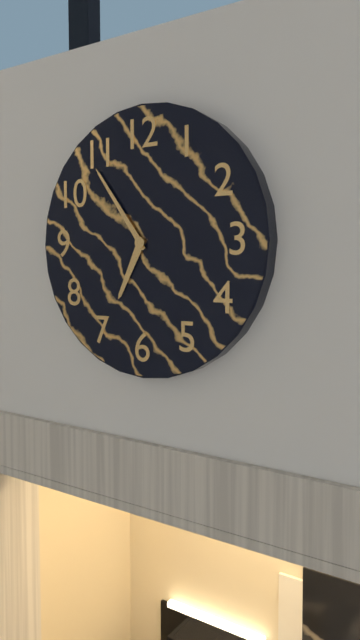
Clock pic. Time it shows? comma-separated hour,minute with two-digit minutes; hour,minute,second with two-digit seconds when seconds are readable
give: 6,54
